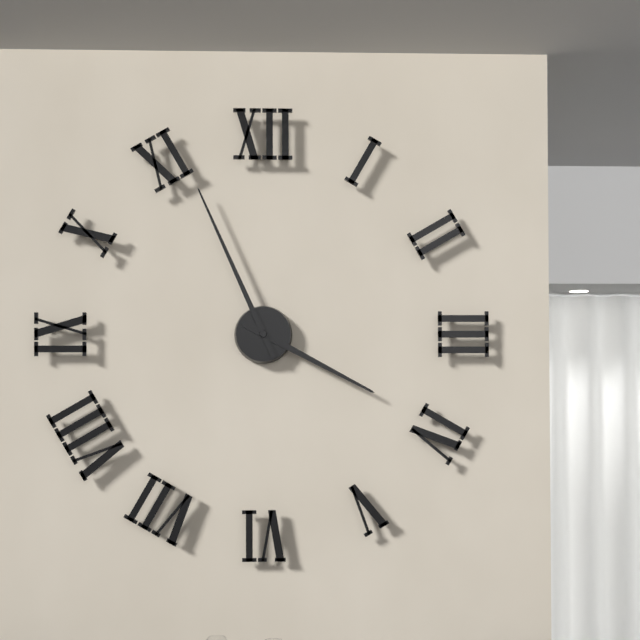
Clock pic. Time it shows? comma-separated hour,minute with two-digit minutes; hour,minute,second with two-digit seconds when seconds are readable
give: 3,56
